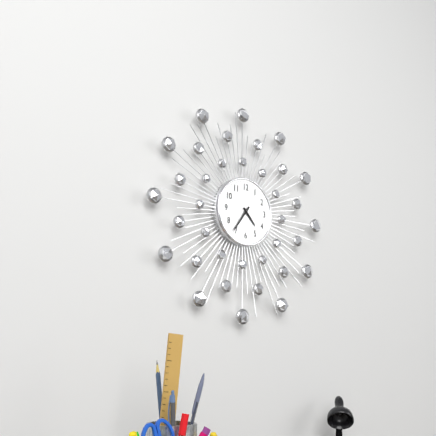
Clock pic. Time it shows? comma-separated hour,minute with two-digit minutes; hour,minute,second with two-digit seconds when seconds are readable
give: 4,36
